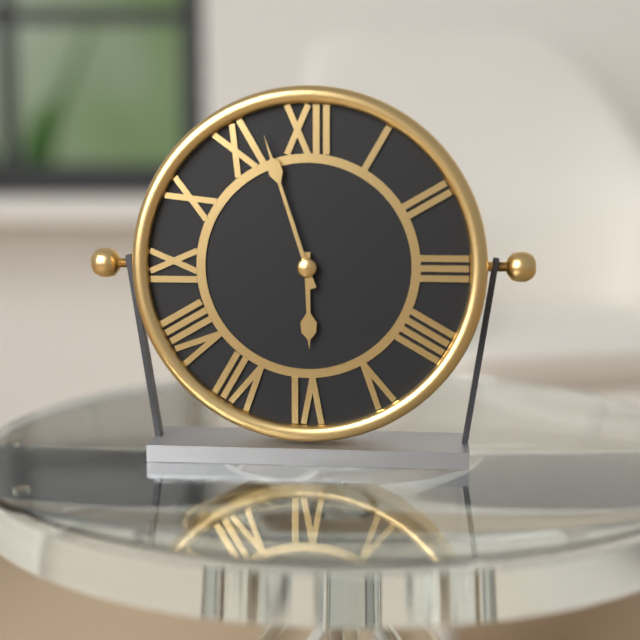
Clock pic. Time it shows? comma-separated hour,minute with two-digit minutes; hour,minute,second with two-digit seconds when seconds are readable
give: 5,57
